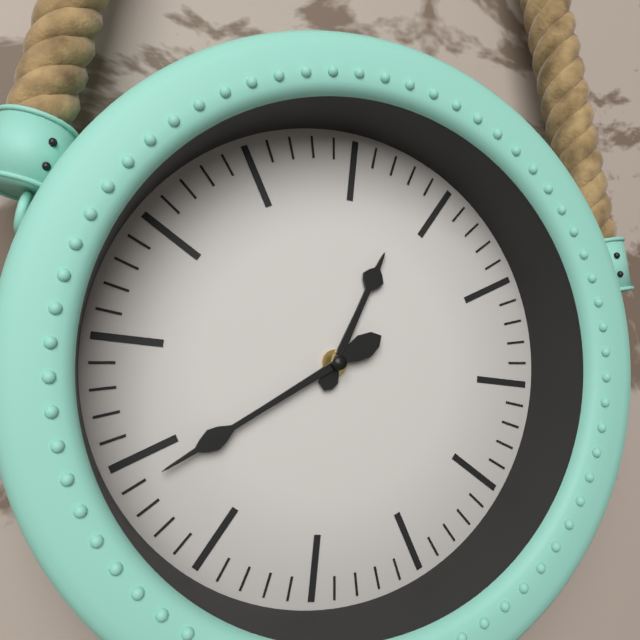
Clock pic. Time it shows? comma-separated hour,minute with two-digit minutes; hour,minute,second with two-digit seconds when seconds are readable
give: 12,39
